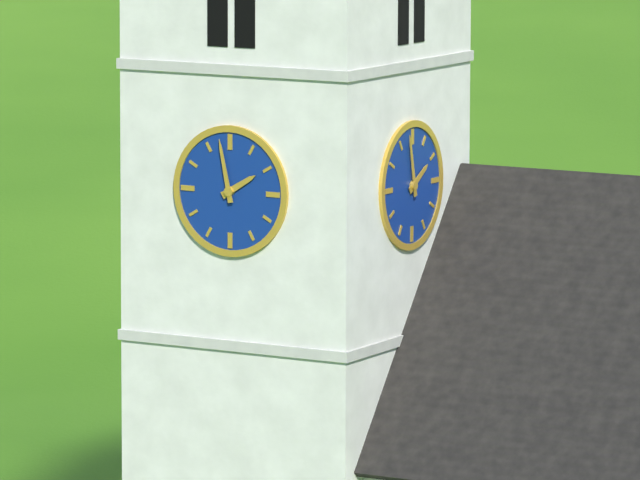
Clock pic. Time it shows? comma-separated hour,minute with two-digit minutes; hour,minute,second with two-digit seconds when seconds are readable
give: 1,58
